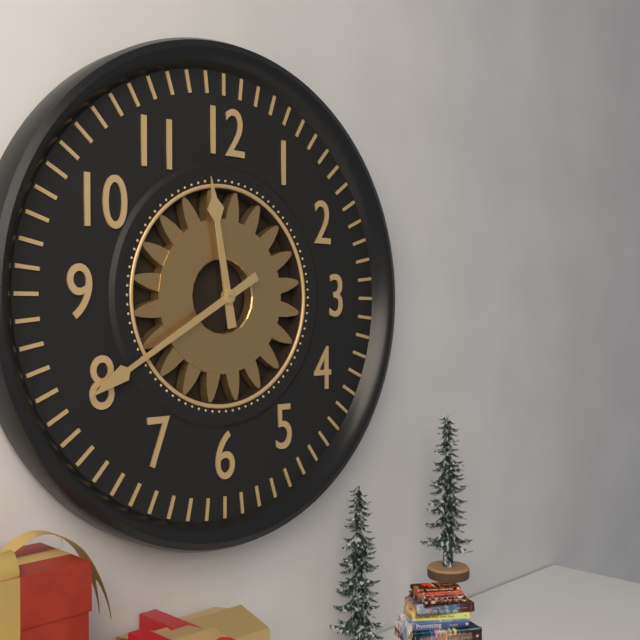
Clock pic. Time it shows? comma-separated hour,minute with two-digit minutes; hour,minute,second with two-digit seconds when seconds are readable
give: 11,40
